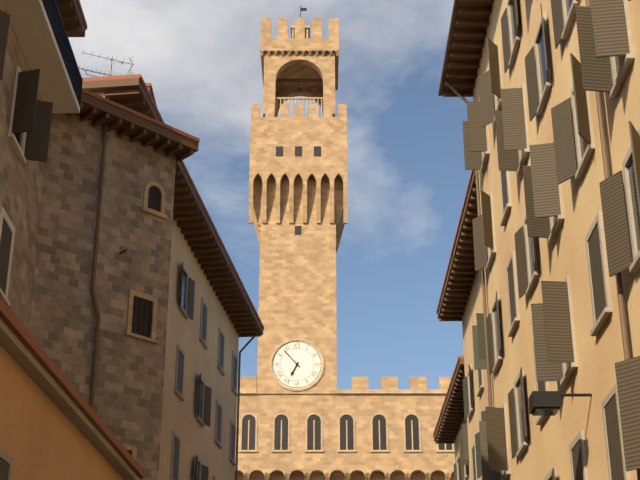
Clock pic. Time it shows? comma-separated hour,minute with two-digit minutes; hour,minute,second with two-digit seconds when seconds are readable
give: 6,53
